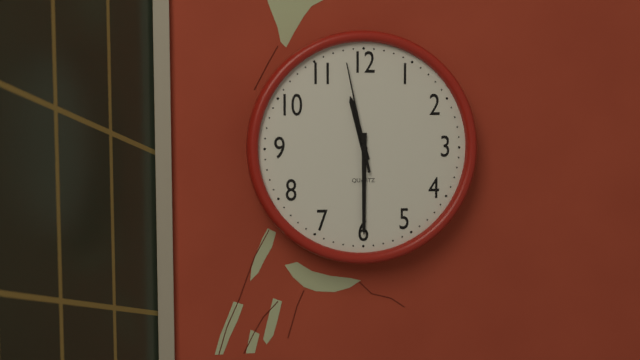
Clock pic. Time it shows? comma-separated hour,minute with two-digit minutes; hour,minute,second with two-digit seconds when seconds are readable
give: 11,30,58
